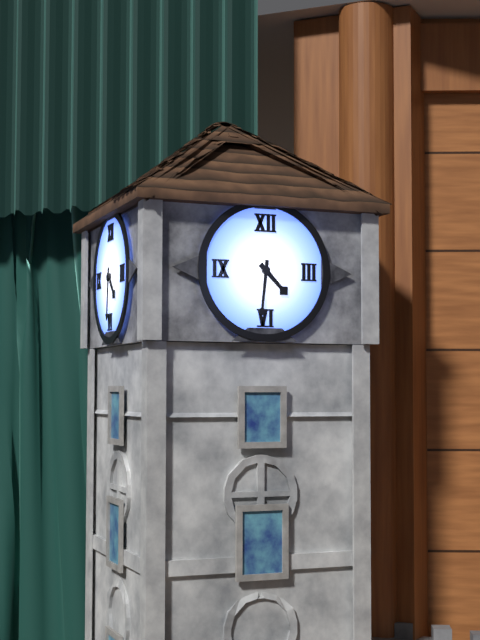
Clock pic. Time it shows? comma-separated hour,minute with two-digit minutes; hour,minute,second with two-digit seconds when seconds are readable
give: 4,31
